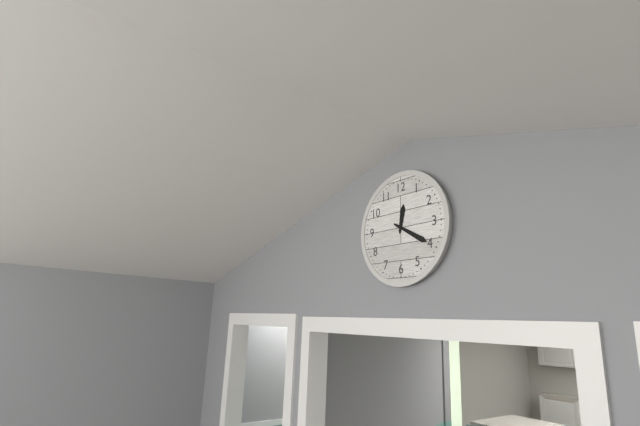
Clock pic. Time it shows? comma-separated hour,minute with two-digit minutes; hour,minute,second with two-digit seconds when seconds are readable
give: 12,20
